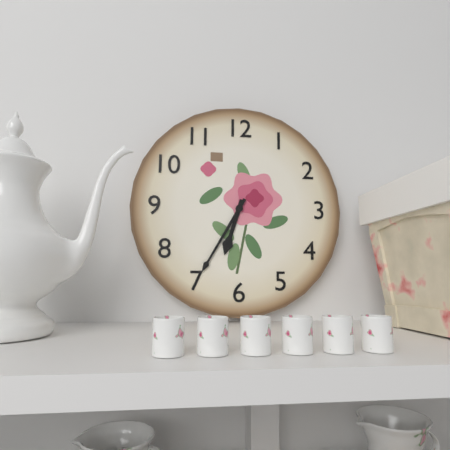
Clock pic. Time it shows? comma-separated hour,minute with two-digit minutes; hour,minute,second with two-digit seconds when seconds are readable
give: 6,35
